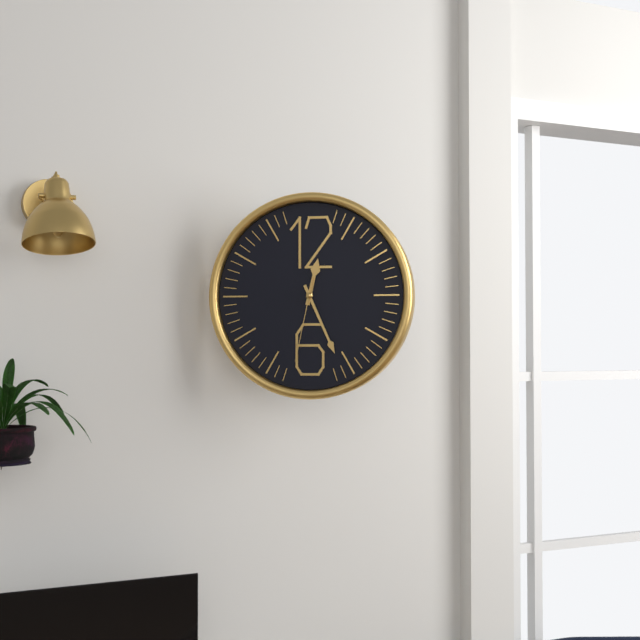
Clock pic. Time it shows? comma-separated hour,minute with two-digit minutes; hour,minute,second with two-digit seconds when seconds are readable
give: 12,26,32
